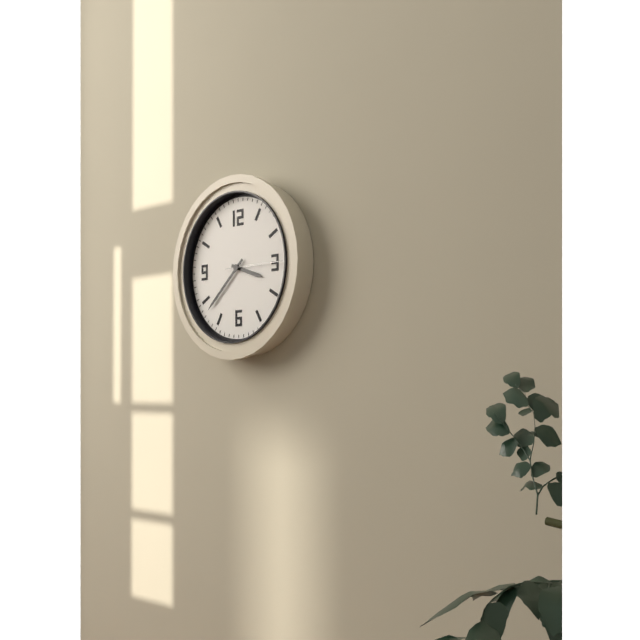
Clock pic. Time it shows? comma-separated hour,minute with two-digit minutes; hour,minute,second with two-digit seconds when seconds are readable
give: 3,38,15
